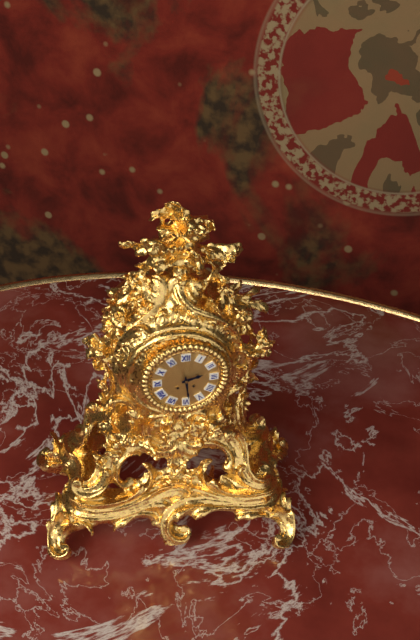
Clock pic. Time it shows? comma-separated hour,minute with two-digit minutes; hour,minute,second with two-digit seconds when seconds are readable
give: 2,29
